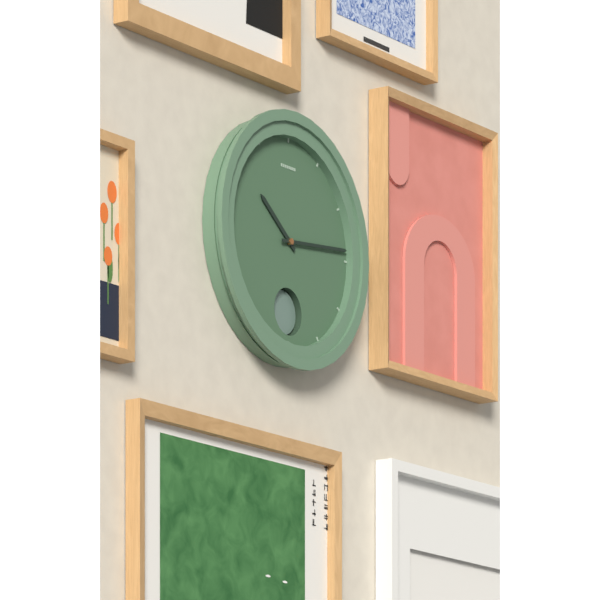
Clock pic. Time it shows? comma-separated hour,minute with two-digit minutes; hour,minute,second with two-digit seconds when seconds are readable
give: 10,14
